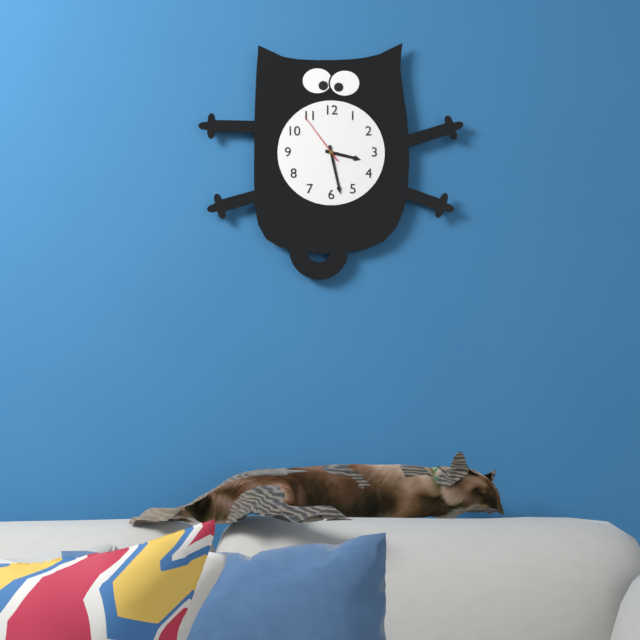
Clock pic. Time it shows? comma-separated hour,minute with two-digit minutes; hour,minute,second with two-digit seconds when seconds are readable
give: 3,28,54
